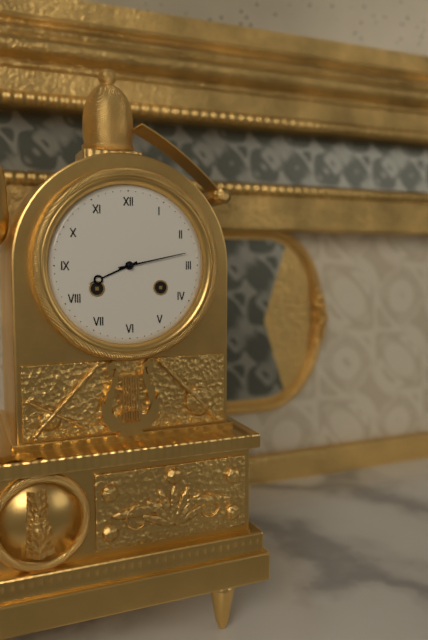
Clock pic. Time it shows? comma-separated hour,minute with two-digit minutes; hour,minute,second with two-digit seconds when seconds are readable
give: 8,13
